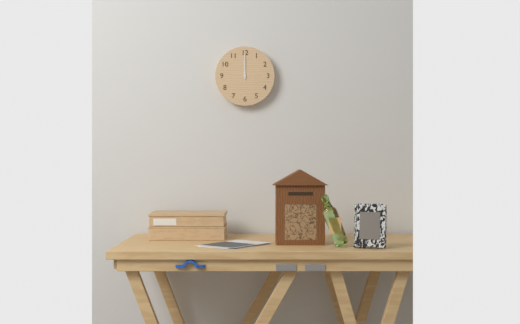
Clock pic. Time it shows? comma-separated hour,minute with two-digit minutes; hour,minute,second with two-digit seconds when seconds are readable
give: 12,00
